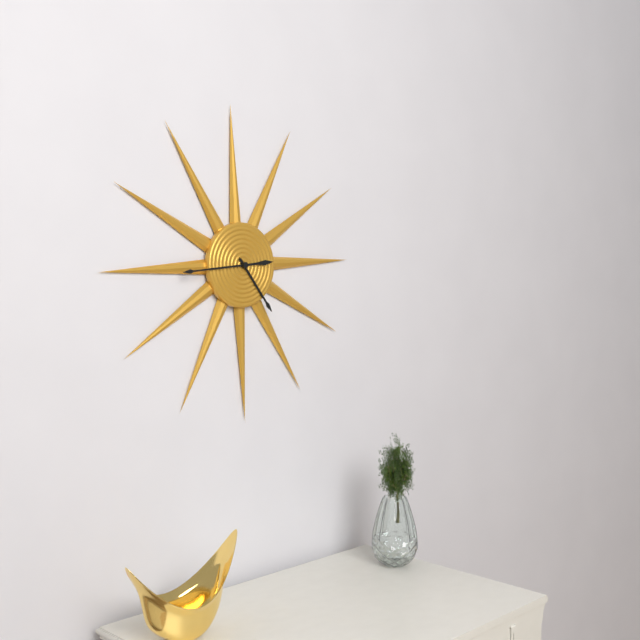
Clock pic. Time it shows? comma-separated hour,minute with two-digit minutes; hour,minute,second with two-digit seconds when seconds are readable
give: 4,44
